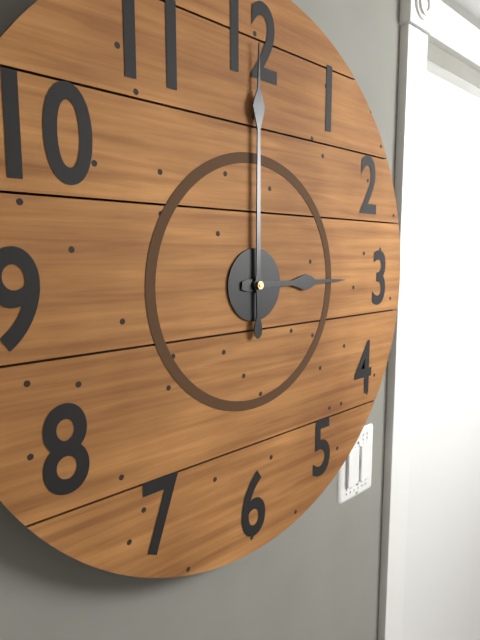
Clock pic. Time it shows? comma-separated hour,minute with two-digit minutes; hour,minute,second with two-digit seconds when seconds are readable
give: 3,00
